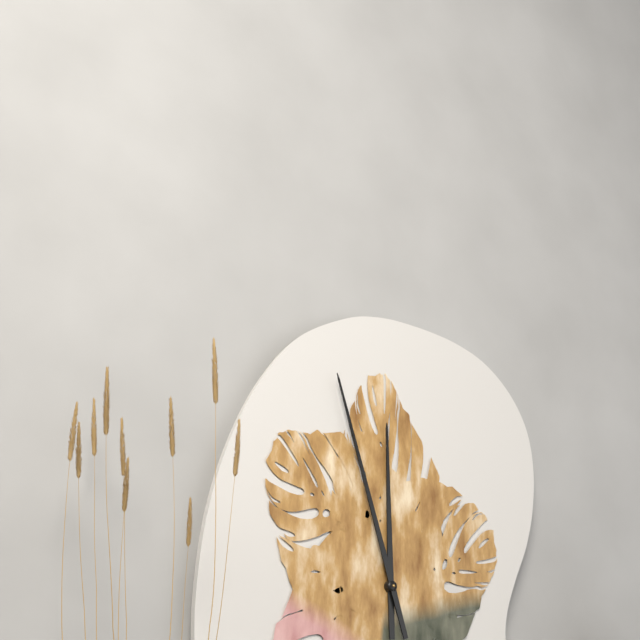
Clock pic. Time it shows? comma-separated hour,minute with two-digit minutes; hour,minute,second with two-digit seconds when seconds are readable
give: 11,57
